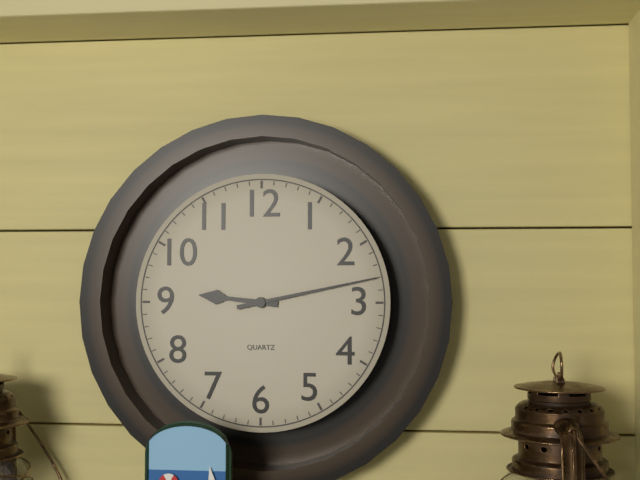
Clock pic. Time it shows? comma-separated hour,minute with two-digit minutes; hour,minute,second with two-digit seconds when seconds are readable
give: 9,13
